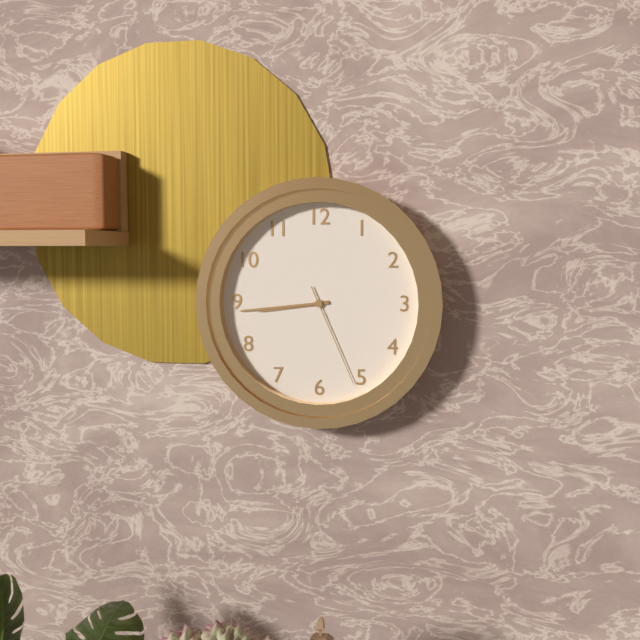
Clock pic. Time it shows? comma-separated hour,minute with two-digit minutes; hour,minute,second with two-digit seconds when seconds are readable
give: 8,44,26
